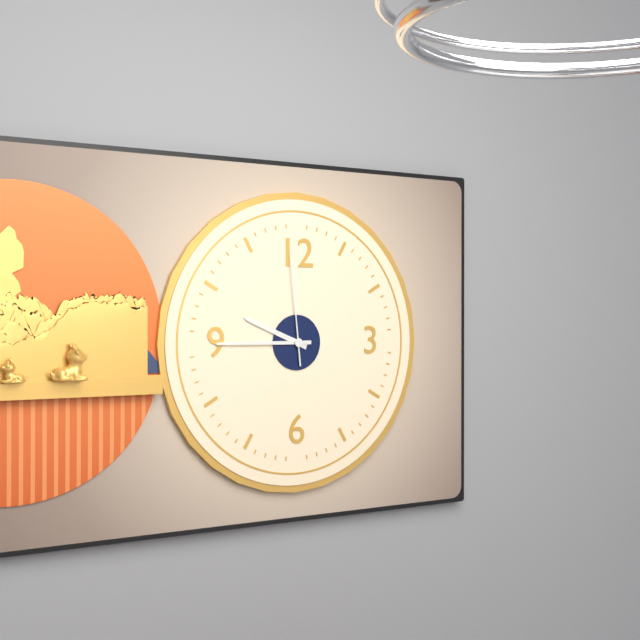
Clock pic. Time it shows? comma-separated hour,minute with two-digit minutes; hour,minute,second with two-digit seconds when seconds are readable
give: 9,45,59
